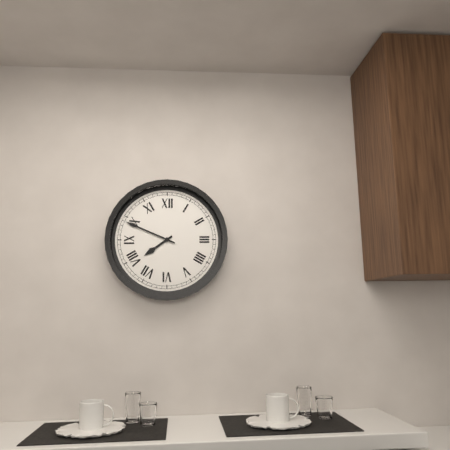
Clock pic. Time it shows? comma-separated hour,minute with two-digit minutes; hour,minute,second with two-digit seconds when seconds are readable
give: 7,49
